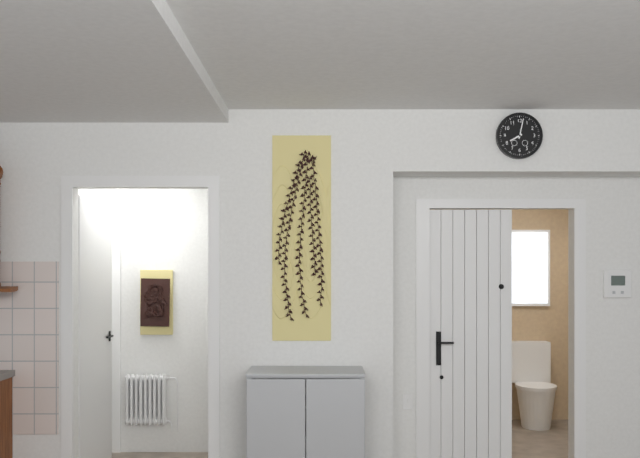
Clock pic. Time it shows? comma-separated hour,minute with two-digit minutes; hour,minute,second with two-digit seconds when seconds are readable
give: 8,02
